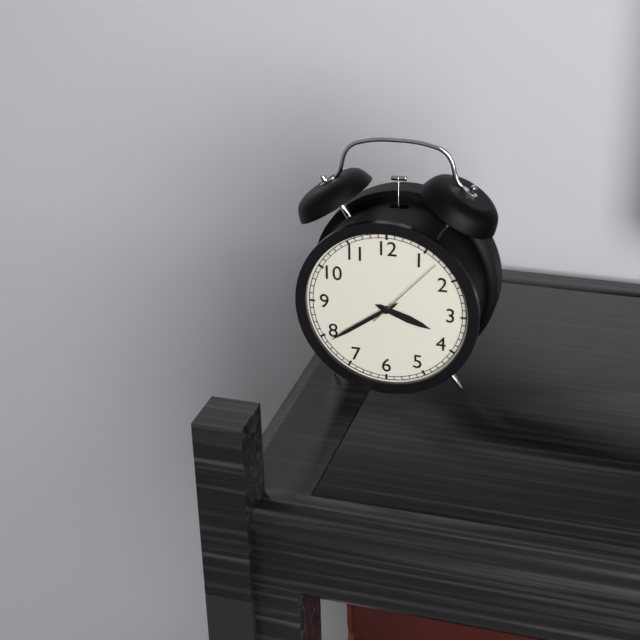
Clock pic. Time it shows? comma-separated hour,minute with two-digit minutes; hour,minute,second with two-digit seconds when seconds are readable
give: 3,39,07
